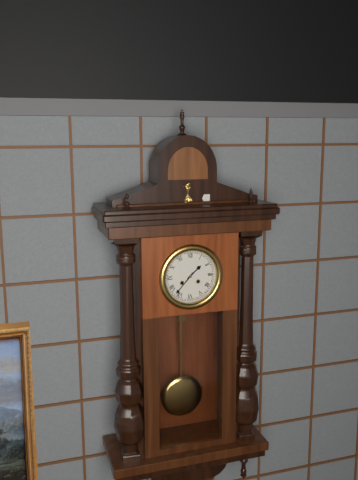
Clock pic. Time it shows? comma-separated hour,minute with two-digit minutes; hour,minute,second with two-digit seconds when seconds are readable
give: 1,37
